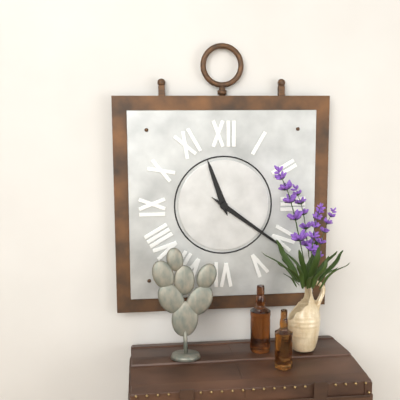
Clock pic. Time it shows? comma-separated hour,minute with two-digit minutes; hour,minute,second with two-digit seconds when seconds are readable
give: 11,21
